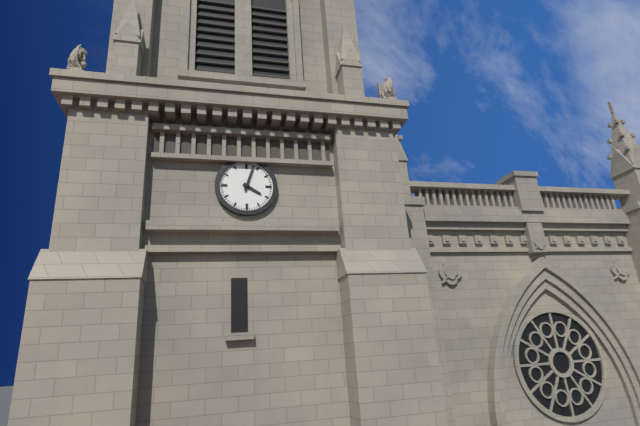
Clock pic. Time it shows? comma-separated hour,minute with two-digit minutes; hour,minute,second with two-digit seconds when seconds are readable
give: 4,03
